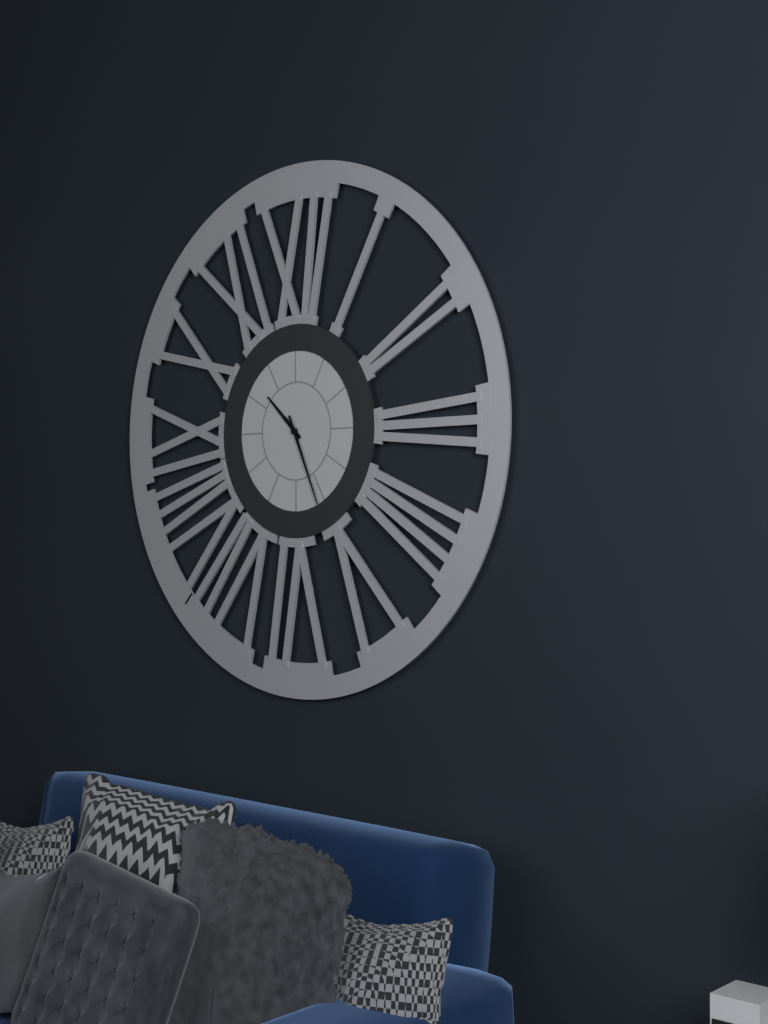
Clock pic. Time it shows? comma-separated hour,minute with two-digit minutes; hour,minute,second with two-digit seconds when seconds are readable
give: 10,26
